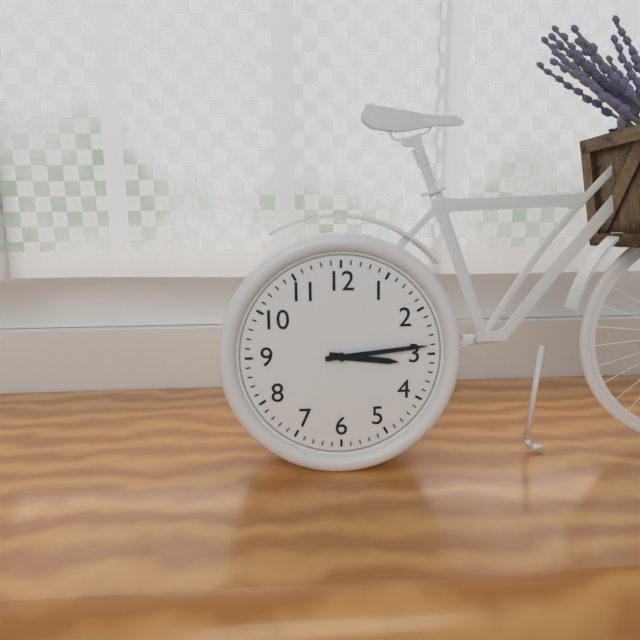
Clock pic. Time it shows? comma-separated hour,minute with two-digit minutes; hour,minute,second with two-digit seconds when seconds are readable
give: 3,14
